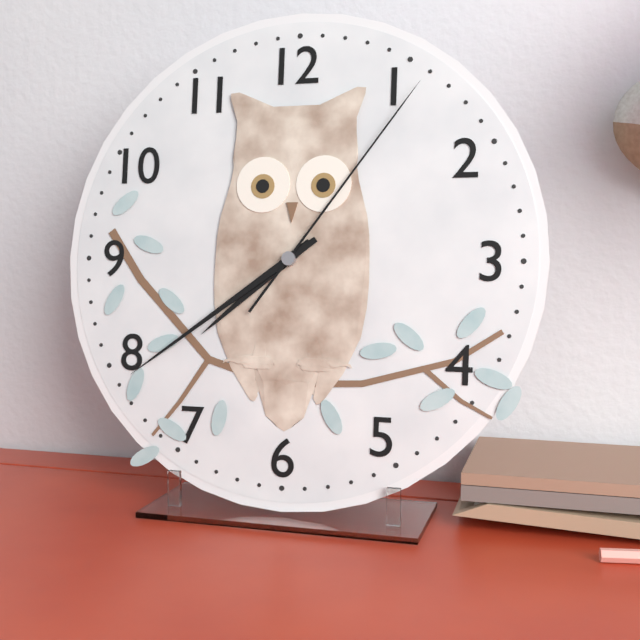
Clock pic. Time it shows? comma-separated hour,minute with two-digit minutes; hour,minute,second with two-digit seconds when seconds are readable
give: 7,39,06
